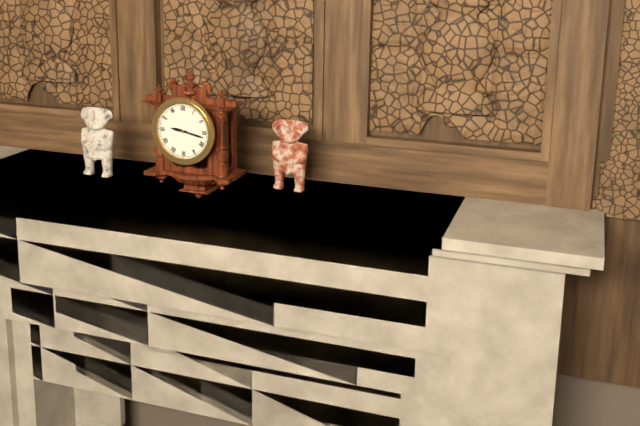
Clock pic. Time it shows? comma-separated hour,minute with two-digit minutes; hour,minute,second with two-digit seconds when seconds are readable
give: 9,17
